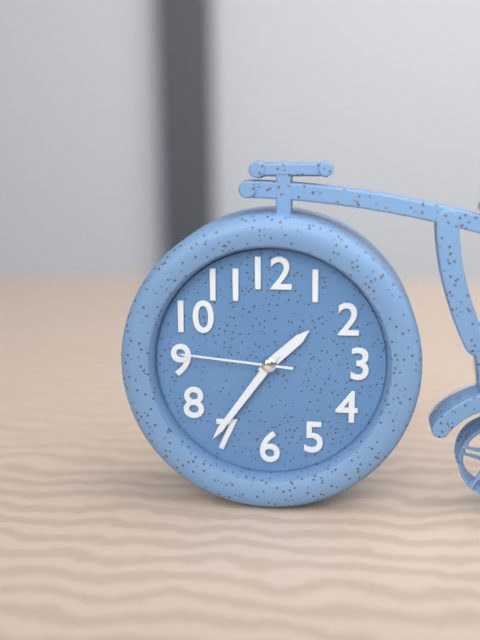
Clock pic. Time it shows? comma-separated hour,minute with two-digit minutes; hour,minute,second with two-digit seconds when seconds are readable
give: 1,36,46
